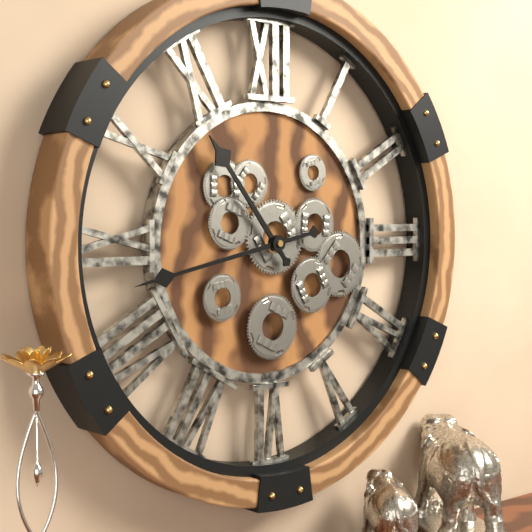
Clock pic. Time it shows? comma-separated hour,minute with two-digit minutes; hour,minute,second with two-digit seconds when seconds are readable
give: 10,43
